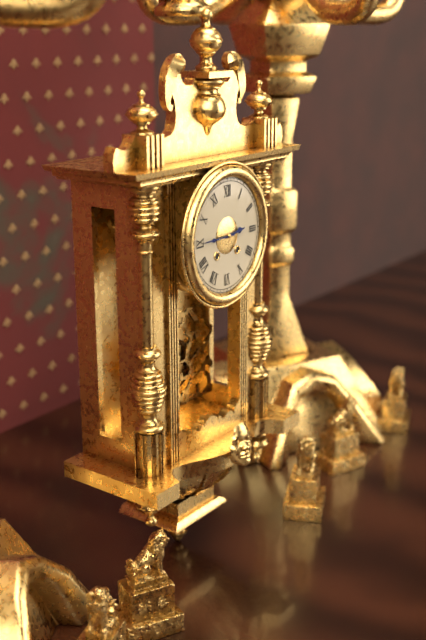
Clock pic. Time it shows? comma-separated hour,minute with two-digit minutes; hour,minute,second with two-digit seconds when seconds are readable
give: 2,45
